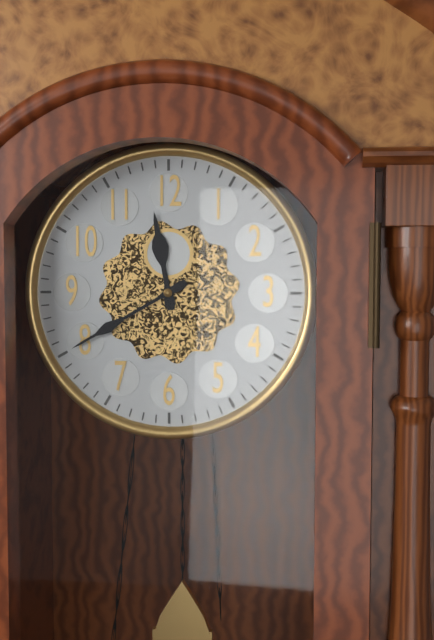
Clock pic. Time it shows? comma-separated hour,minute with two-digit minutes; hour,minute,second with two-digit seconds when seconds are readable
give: 11,40
